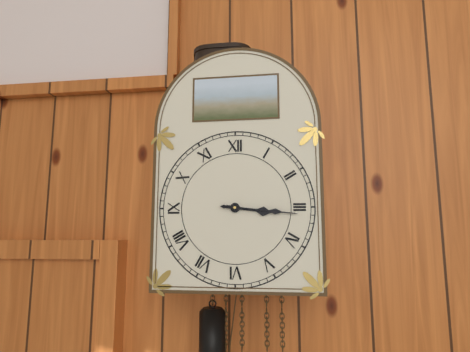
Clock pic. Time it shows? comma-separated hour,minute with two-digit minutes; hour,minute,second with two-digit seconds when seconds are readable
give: 3,16
